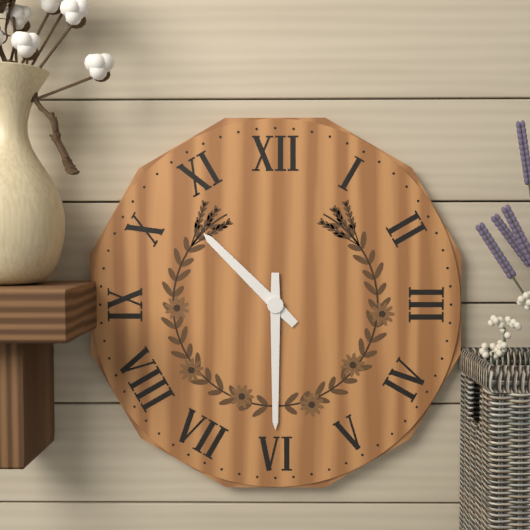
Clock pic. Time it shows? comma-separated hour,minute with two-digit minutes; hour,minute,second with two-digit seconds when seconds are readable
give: 10,30
